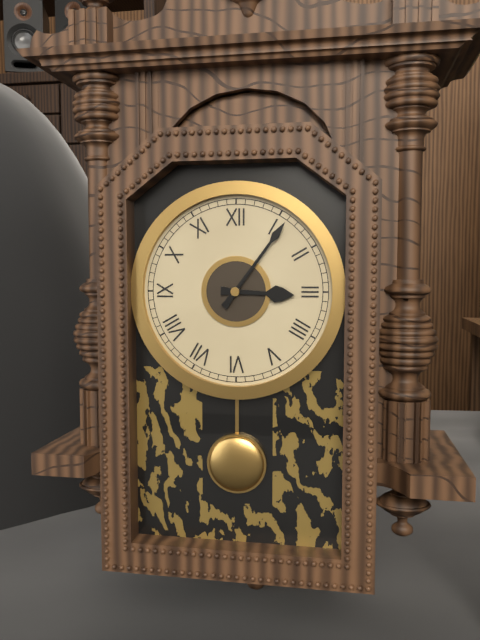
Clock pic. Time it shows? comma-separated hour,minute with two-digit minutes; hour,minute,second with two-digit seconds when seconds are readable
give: 3,06
